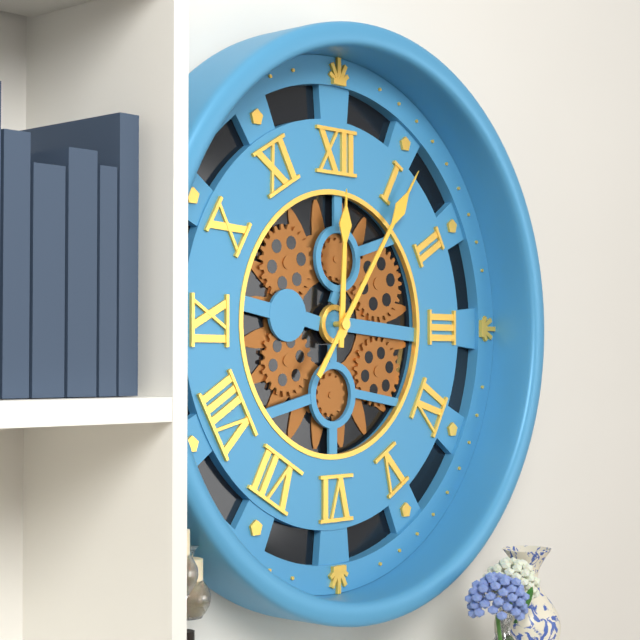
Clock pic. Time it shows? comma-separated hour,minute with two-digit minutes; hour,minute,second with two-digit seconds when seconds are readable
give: 12,06
